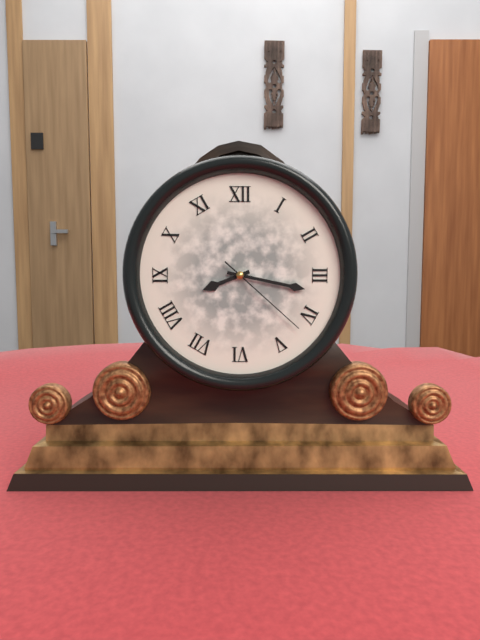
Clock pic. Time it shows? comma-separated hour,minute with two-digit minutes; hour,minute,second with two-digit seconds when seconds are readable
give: 8,17,22
